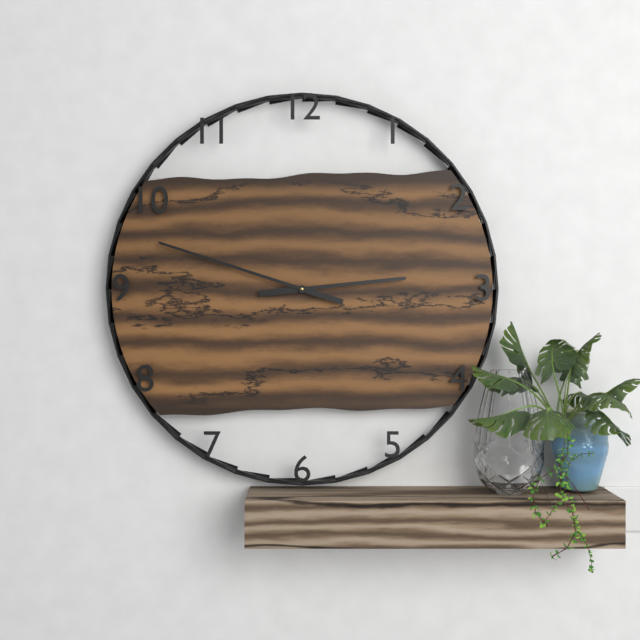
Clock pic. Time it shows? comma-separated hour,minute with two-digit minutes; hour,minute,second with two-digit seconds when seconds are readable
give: 2,48
